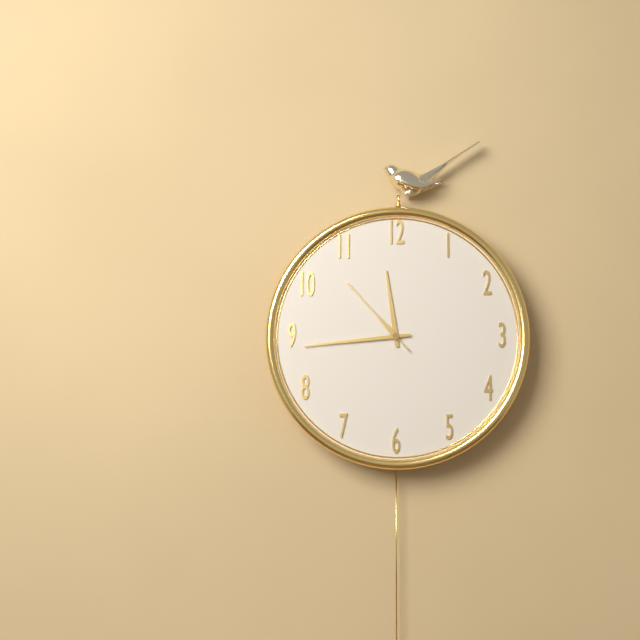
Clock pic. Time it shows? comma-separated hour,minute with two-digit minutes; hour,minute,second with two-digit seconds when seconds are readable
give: 11,44,53
